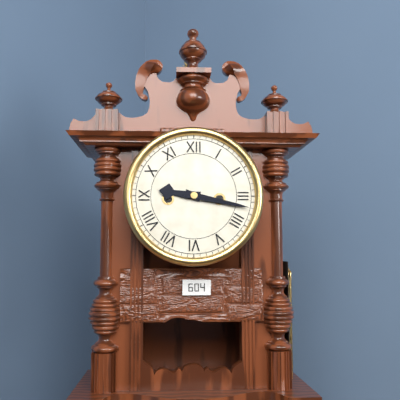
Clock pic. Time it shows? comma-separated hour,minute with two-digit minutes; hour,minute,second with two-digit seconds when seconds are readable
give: 9,17
